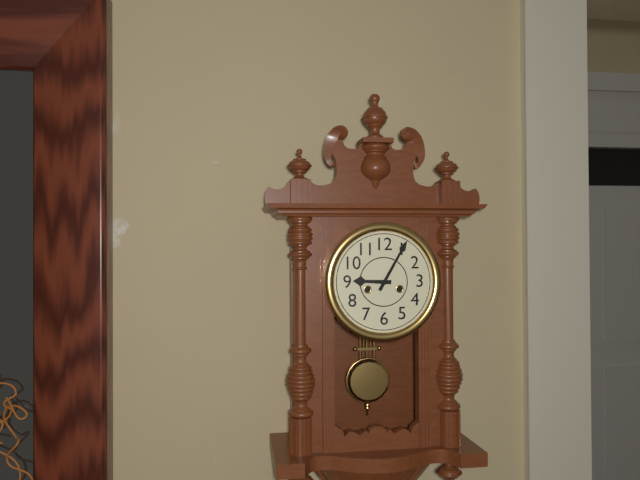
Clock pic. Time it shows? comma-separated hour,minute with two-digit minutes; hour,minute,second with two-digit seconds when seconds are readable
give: 9,05
